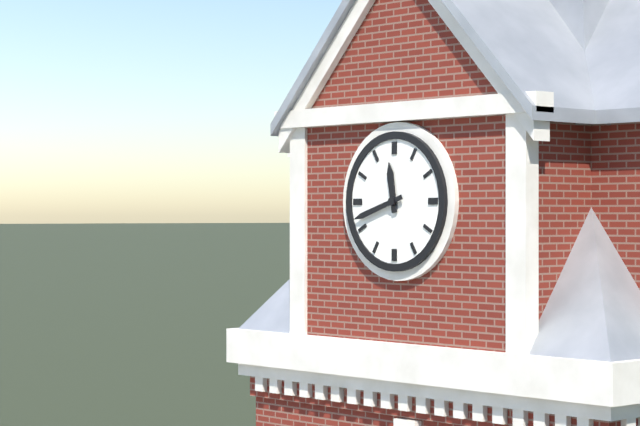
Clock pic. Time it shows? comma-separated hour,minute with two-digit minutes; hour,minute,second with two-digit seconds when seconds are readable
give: 11,42
